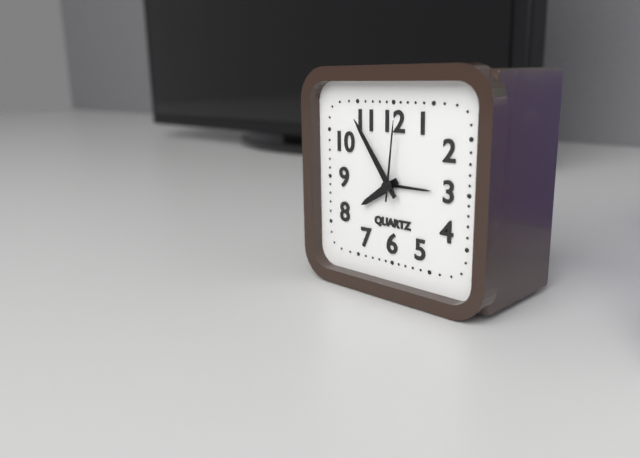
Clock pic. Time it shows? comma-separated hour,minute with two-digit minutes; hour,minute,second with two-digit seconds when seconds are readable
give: 7,54,01
